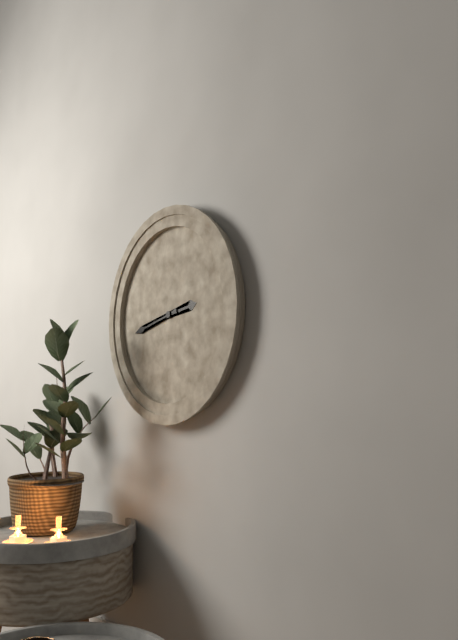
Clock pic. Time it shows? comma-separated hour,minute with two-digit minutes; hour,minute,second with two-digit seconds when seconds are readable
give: 2,43
